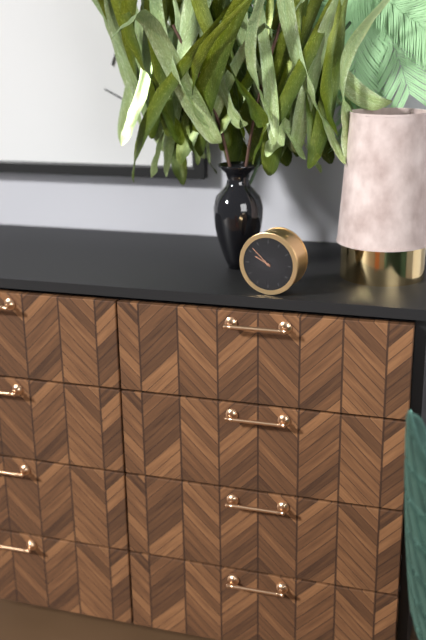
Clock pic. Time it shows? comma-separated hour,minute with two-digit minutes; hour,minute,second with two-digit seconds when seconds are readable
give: 9,52
